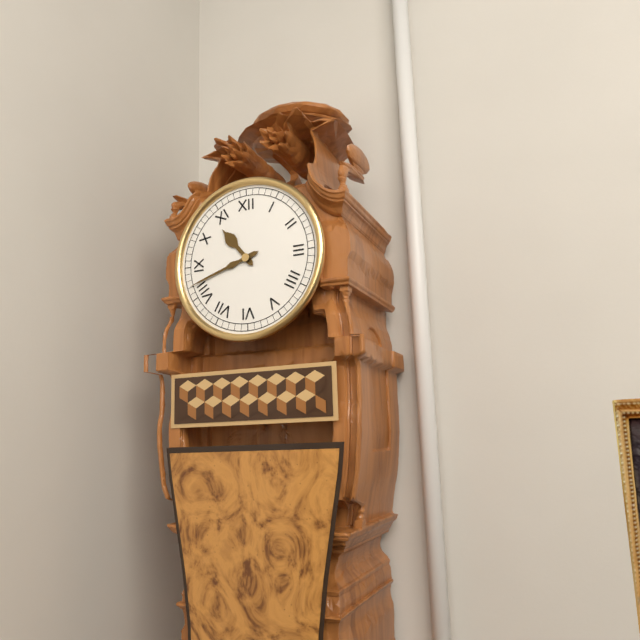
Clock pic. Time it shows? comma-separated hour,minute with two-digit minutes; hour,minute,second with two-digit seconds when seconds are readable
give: 10,42
